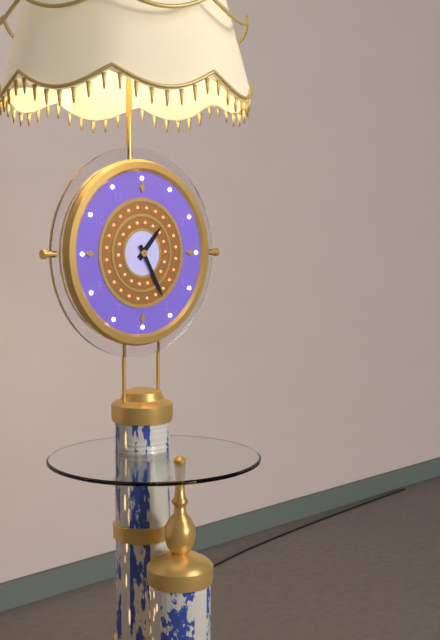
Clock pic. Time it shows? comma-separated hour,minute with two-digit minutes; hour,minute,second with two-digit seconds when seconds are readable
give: 1,25
